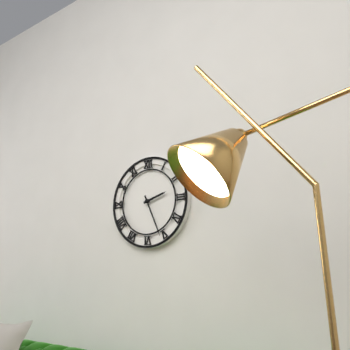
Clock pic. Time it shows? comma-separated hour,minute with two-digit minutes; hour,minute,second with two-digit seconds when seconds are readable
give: 2,26
